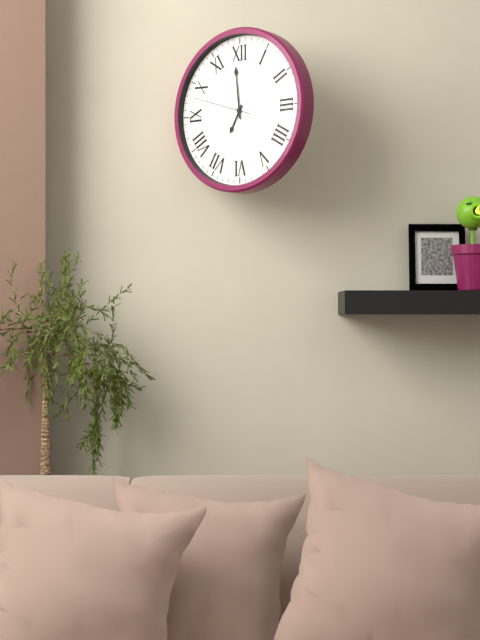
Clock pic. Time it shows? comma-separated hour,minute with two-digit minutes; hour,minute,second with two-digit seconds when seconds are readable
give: 6,59,48
